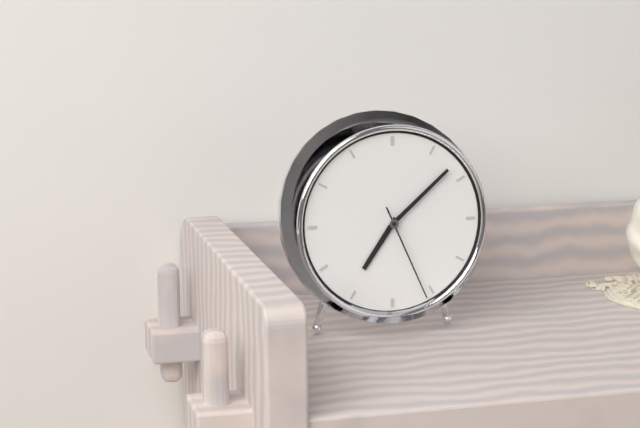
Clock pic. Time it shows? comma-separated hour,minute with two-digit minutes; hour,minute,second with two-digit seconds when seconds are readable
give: 7,08,26
